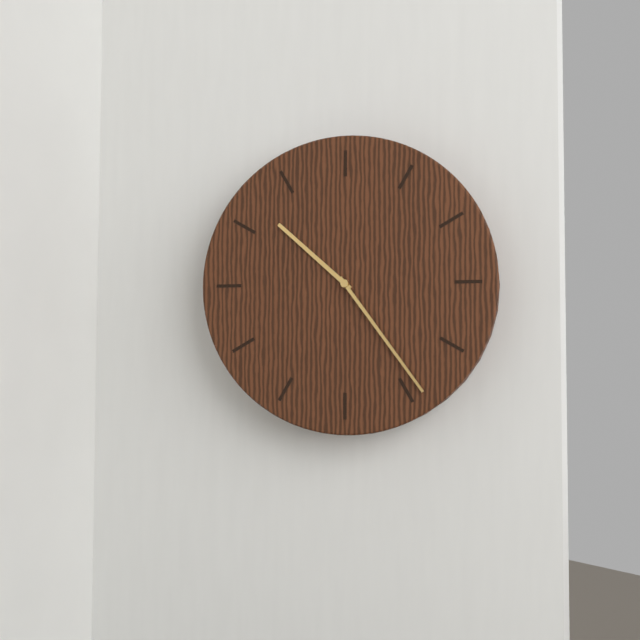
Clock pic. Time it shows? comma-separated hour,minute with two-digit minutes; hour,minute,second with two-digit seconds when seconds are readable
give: 10,24
